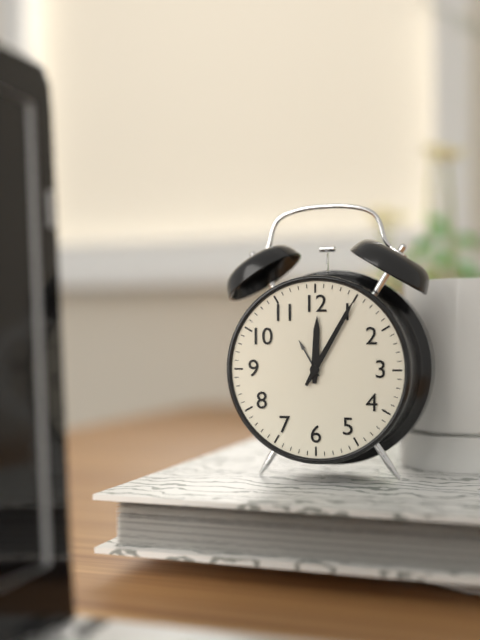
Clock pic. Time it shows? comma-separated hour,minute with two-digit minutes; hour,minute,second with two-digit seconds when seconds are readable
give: 12,05
